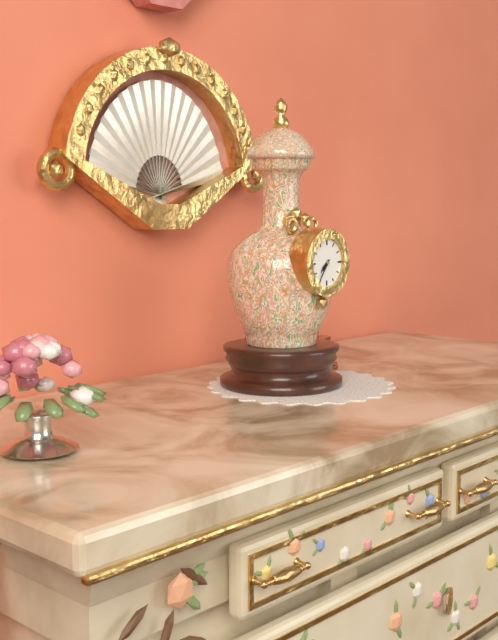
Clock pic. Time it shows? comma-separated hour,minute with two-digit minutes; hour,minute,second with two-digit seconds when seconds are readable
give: 7,36
